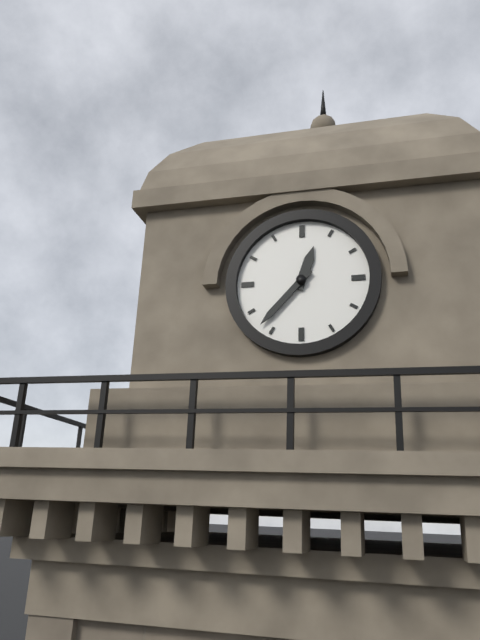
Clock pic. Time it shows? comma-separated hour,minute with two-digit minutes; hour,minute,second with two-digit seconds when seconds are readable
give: 12,37
